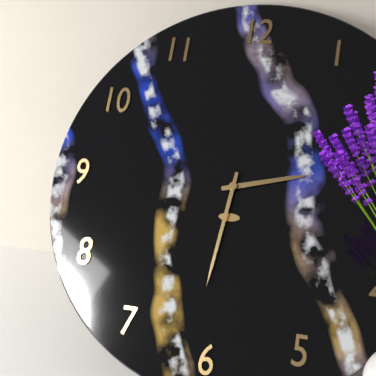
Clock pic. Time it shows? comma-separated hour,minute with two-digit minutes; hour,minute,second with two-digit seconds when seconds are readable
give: 2,31
